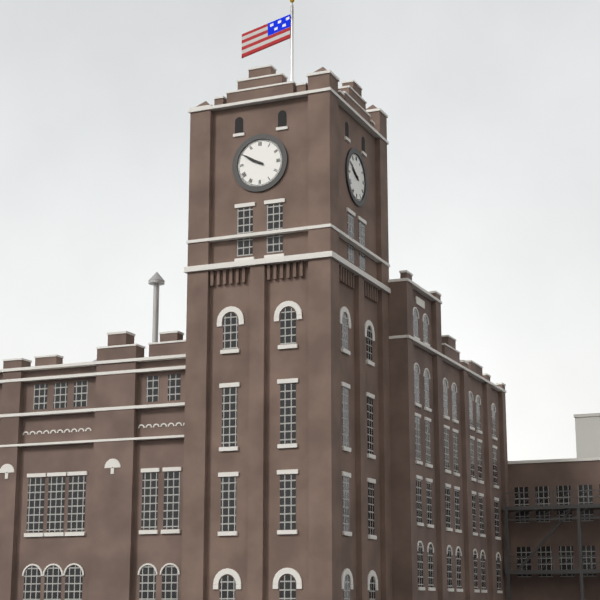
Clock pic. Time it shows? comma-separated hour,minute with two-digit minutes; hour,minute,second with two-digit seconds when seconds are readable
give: 9,50
